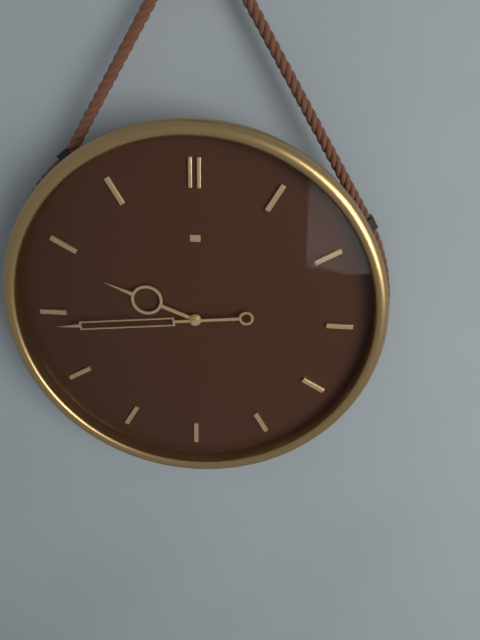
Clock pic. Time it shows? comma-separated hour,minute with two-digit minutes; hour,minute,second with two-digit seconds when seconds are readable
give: 9,44
